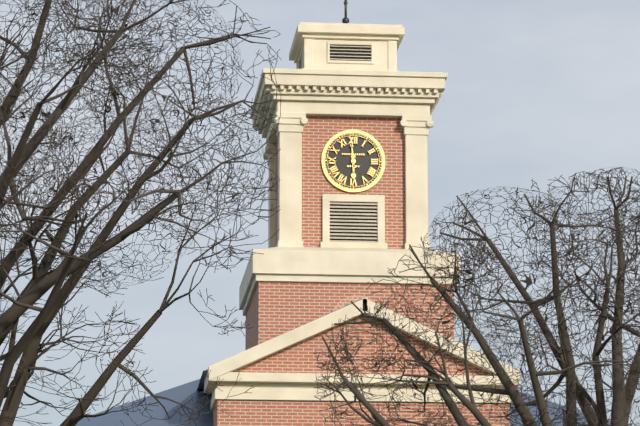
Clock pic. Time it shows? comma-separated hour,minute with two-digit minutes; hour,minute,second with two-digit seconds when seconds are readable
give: 5,59
